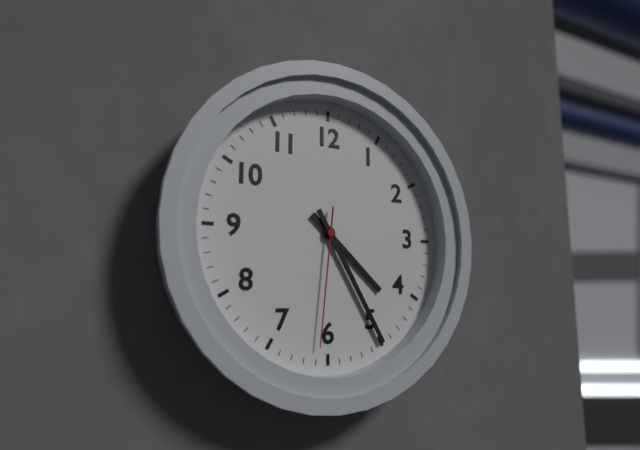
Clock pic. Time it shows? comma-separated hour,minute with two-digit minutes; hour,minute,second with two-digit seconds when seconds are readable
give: 4,25,31
